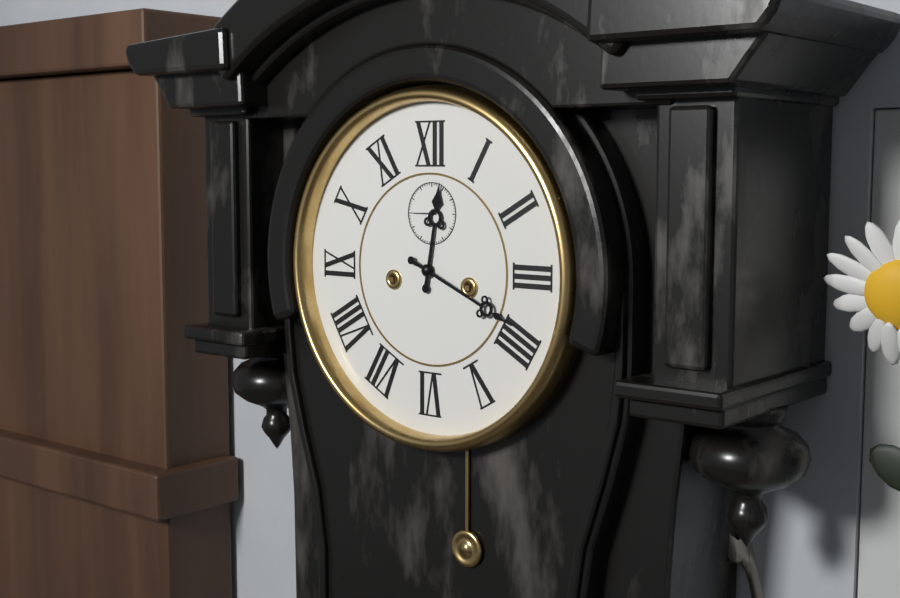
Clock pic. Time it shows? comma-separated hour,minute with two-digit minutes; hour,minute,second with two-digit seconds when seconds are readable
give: 12,19
